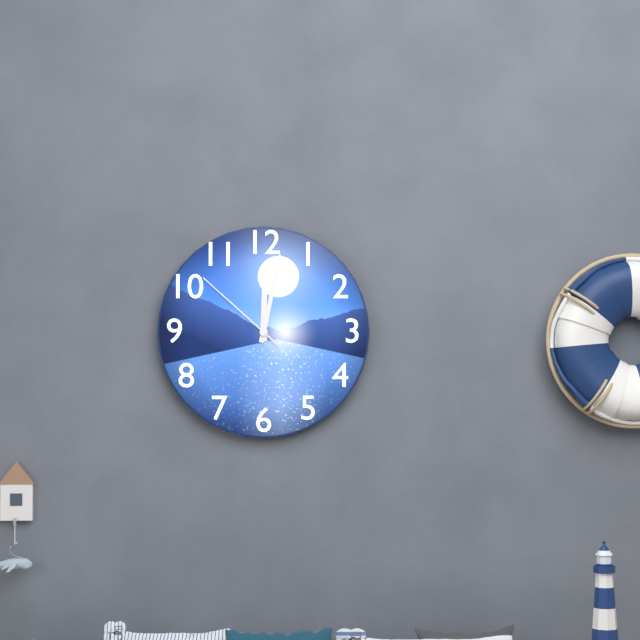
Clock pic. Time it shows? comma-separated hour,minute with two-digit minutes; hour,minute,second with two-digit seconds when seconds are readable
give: 12,02,52
